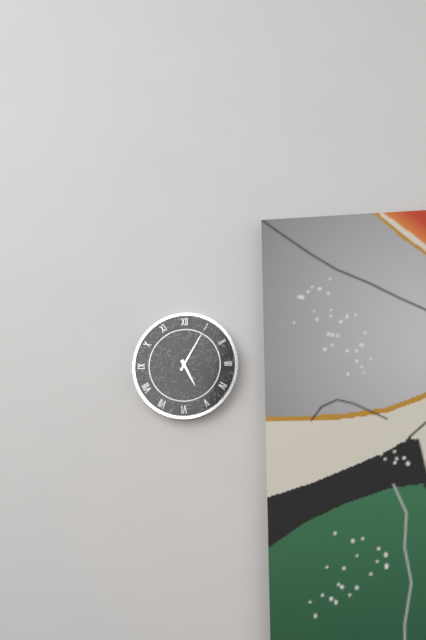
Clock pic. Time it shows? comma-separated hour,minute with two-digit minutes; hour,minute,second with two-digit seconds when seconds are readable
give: 5,05
